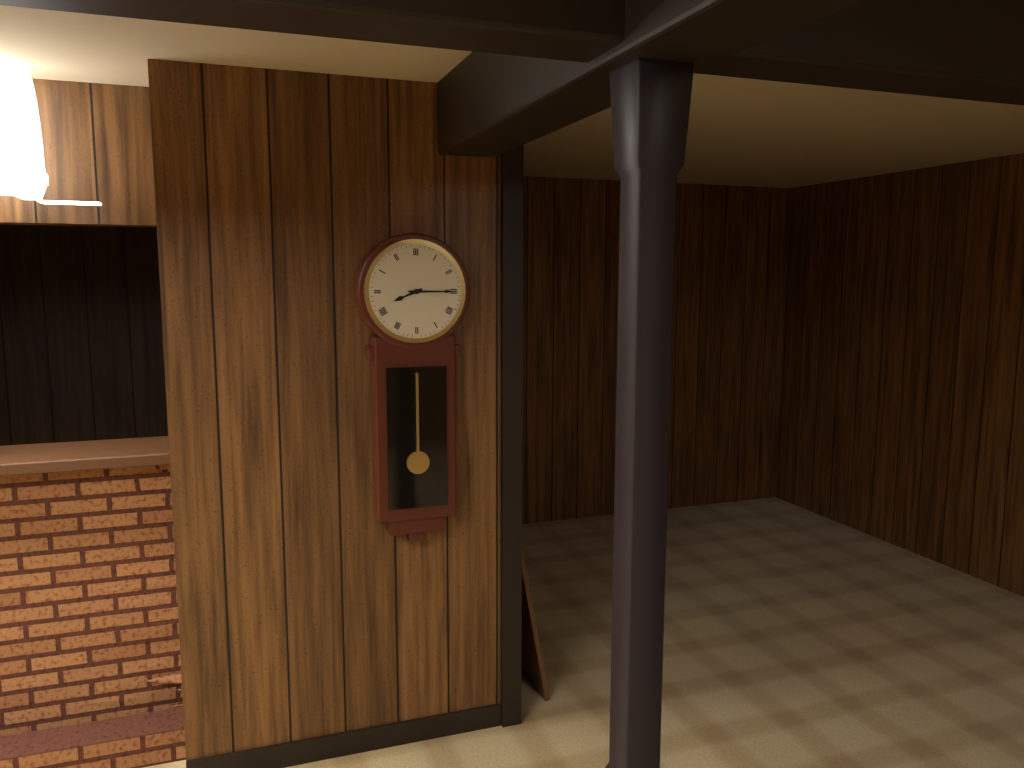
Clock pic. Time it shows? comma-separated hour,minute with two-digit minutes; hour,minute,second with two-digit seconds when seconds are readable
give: 8,15
